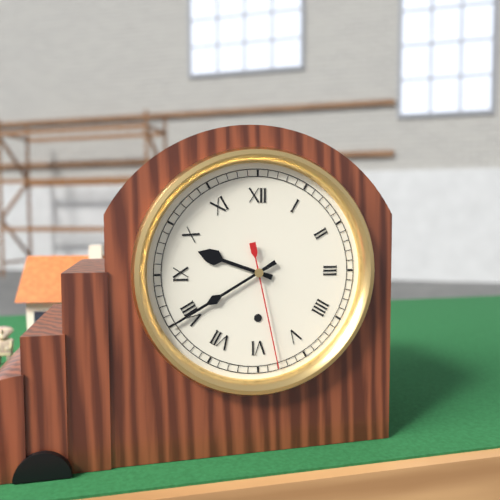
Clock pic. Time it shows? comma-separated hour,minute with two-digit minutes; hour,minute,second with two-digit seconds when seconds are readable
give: 9,40,28
